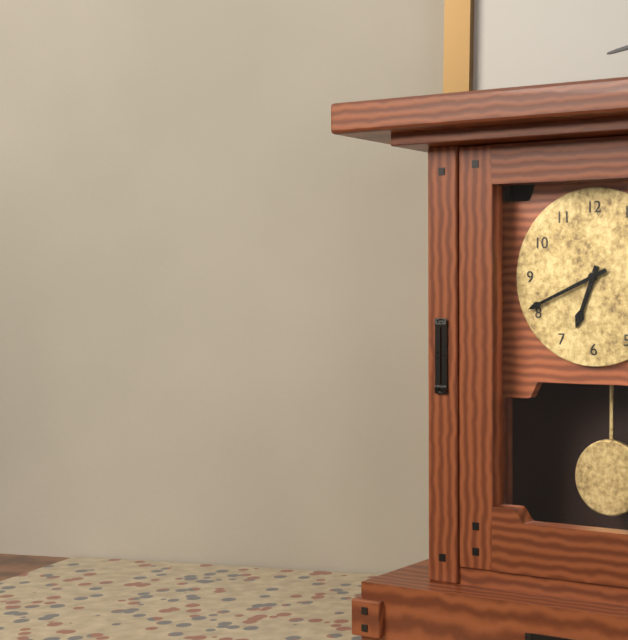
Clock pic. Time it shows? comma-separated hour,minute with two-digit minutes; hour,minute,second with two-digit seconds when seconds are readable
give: 6,41
